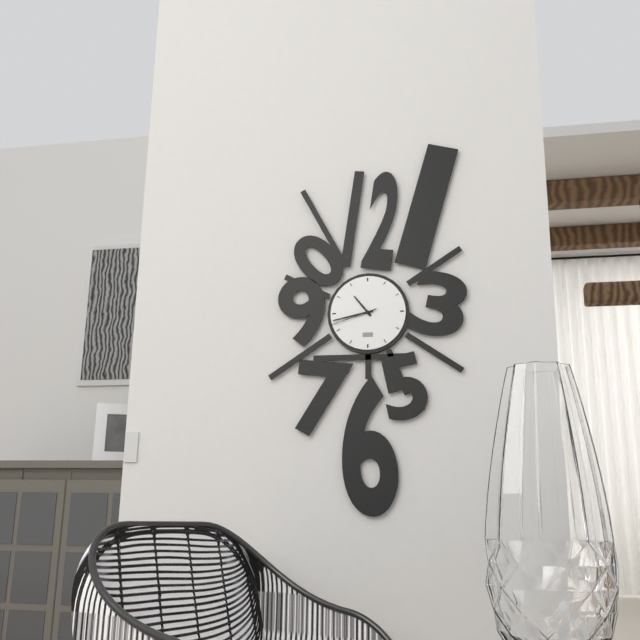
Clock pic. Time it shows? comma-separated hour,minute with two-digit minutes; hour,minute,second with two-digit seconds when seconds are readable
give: 10,43,42
